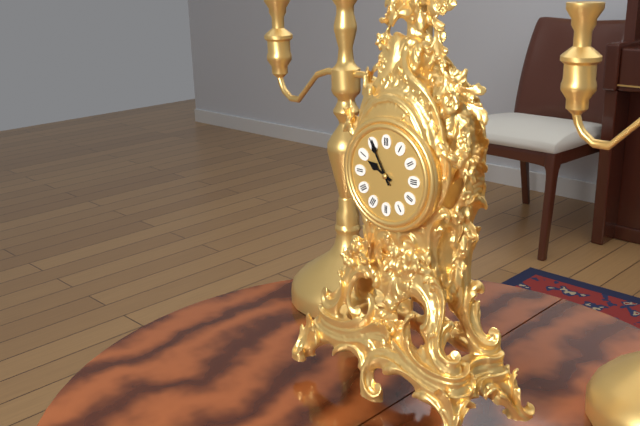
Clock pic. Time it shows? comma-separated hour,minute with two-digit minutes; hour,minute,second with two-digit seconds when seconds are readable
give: 9,55
